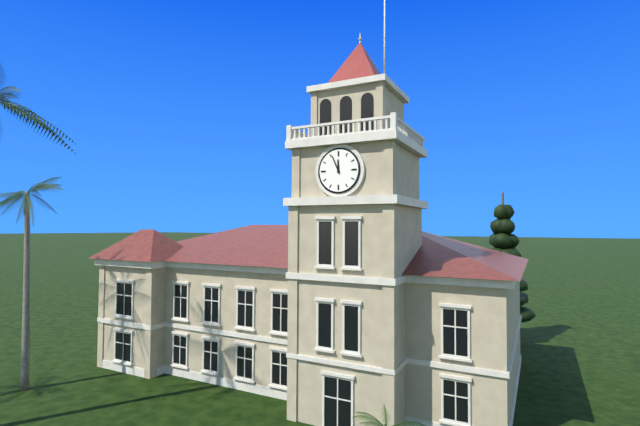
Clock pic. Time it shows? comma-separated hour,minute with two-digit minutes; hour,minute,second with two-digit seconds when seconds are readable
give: 11,56
